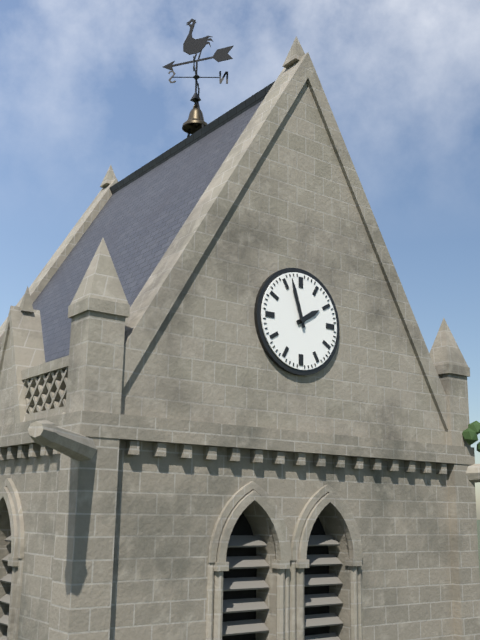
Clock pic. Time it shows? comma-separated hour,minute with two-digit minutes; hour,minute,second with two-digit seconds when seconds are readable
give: 1,57
